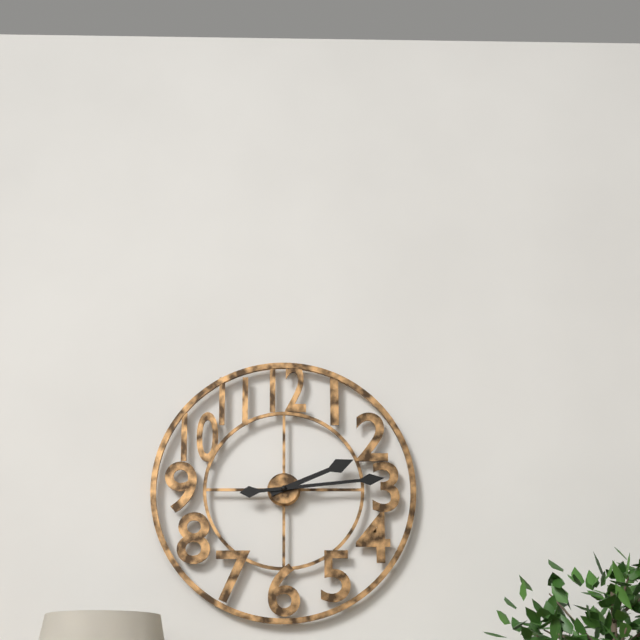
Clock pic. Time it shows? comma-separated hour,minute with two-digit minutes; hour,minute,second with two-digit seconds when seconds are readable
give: 2,14
